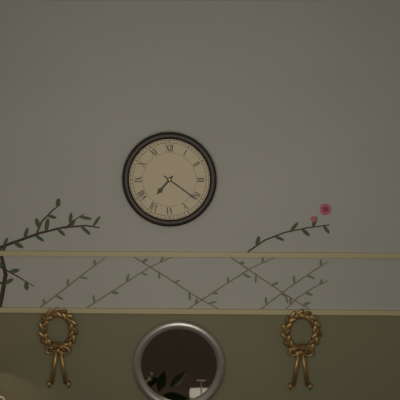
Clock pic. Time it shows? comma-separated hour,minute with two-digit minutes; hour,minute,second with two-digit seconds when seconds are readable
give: 7,21
